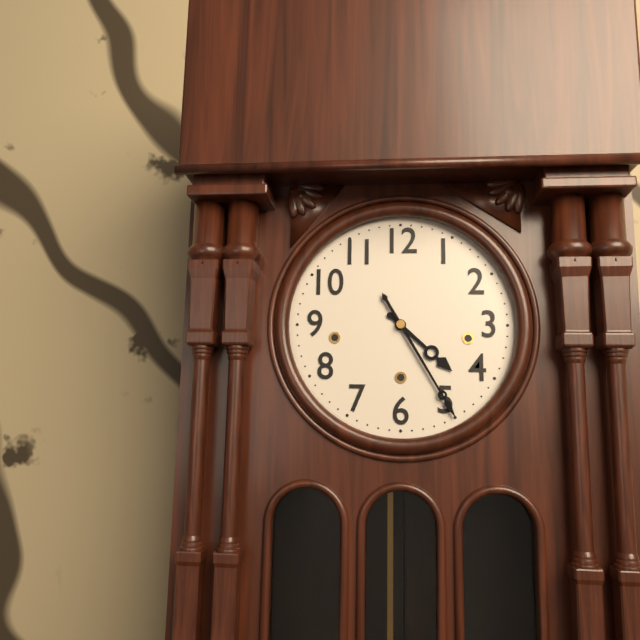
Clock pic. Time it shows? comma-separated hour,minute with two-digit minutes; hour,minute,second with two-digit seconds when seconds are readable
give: 4,25
